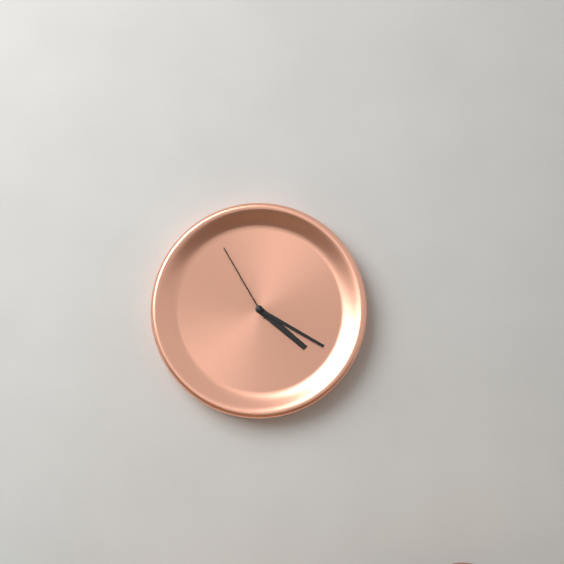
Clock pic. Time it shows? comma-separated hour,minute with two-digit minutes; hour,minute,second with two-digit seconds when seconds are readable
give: 4,20,55
